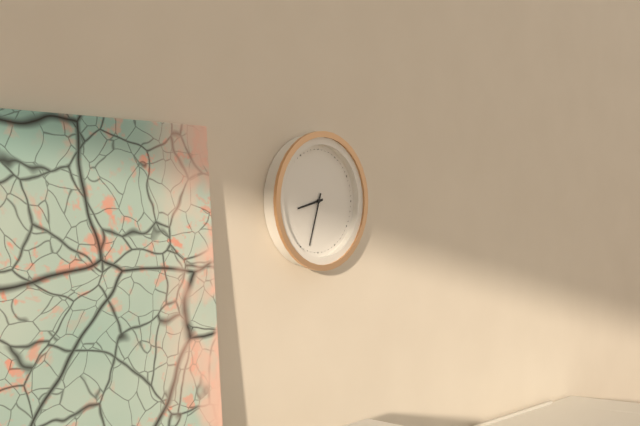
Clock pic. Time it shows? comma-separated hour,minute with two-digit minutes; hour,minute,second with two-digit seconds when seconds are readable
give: 8,33
